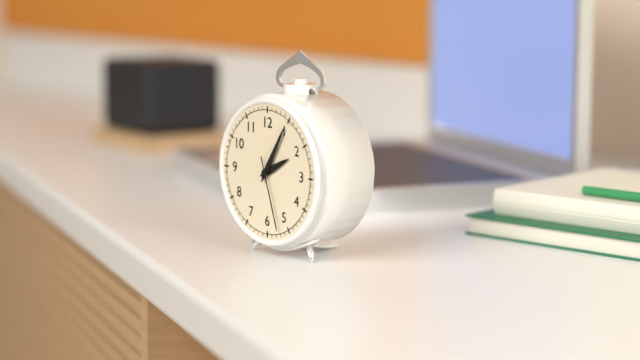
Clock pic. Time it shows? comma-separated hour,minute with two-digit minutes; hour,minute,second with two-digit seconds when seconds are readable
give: 2,05,27
